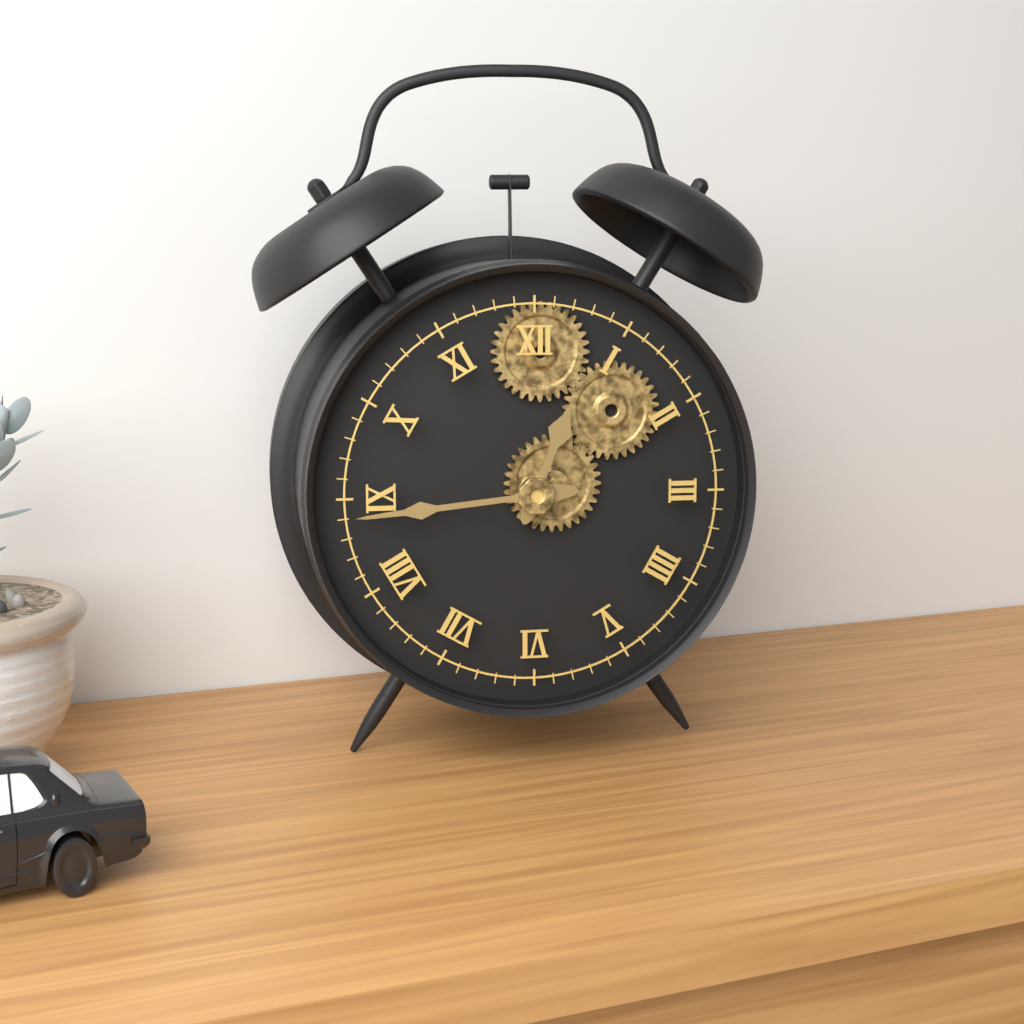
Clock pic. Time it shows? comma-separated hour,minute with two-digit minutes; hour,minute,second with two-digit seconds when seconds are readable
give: 12,44
